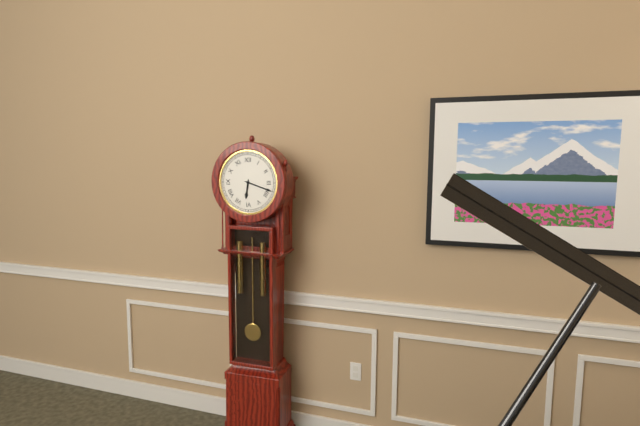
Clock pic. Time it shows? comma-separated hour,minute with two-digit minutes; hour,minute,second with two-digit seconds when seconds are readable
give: 6,18
